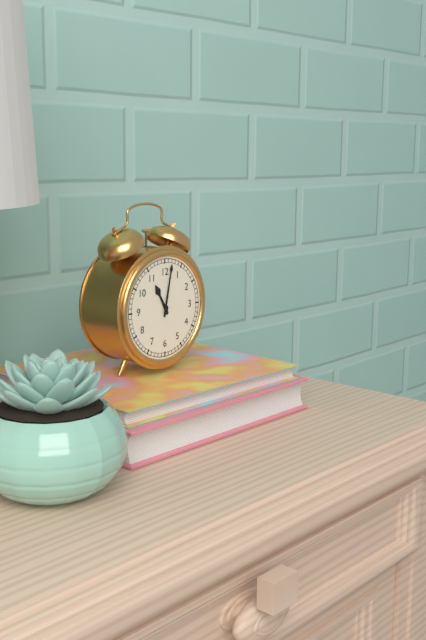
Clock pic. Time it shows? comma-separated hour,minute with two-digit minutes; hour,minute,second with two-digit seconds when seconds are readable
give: 11,02
